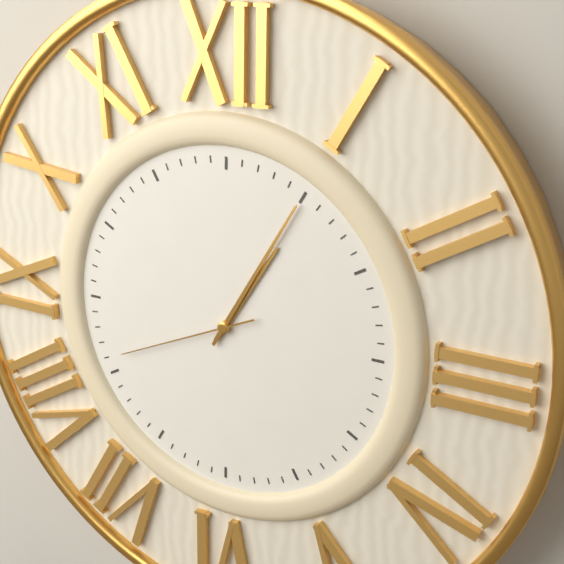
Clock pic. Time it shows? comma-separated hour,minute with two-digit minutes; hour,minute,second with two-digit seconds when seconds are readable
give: 1,05,41
